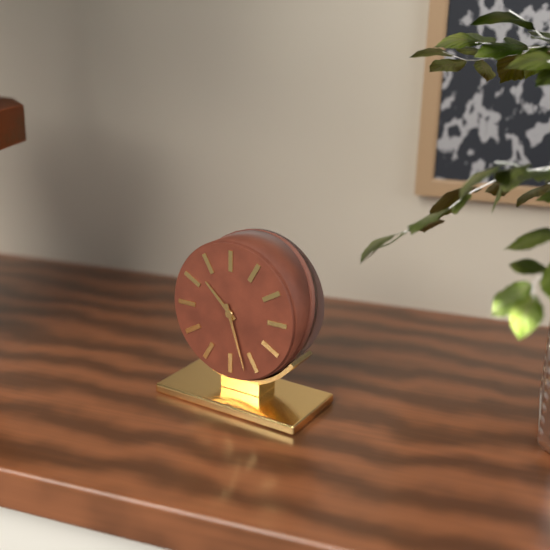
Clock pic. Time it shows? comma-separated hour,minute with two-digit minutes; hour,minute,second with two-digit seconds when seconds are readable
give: 10,27
